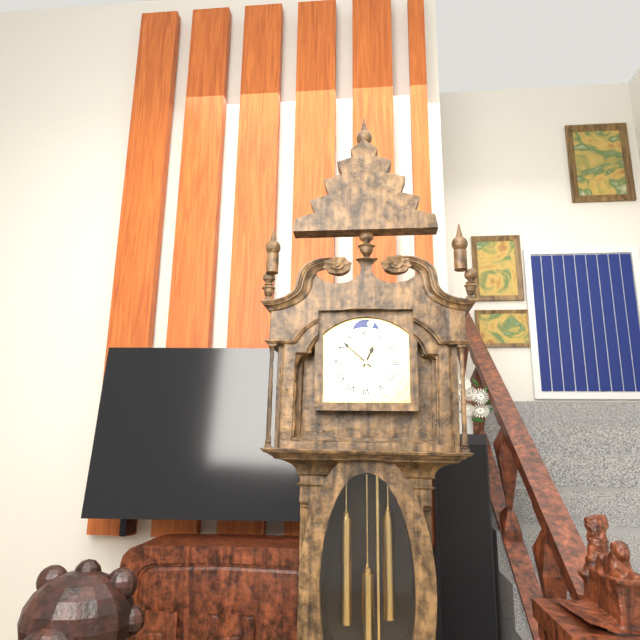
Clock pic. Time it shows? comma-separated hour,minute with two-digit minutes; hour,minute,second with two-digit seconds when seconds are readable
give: 12,52
